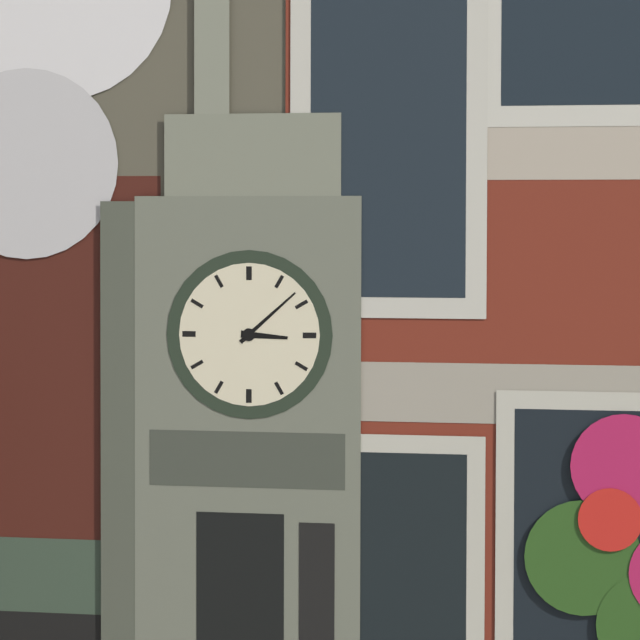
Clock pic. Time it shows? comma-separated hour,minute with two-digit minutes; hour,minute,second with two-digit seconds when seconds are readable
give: 3,08
